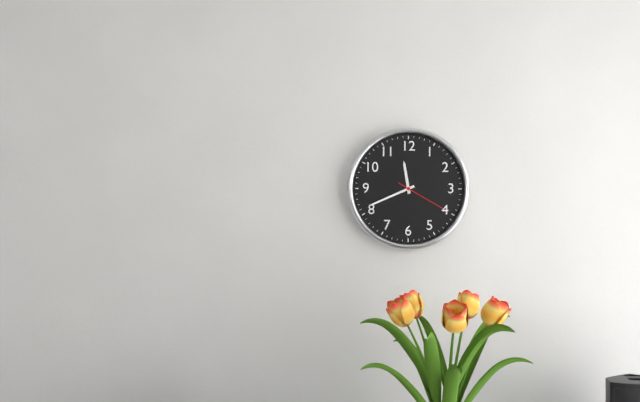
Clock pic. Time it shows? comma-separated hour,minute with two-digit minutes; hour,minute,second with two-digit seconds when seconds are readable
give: 11,41,20
